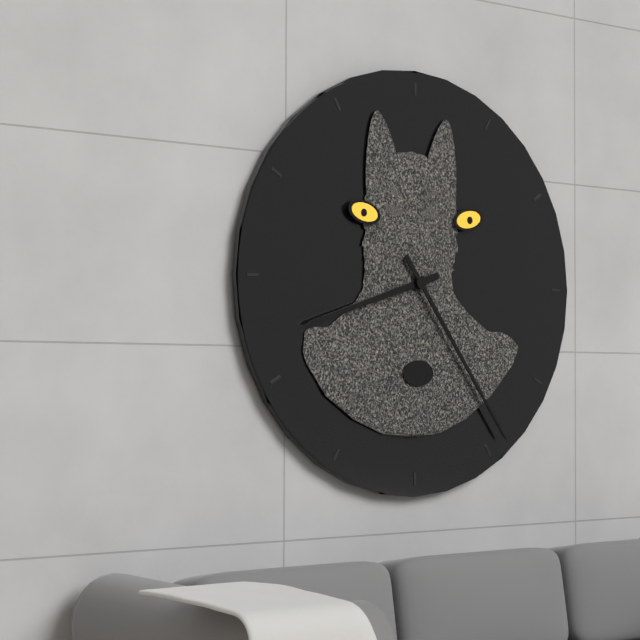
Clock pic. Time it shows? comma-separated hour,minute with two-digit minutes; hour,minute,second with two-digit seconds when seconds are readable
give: 8,24
